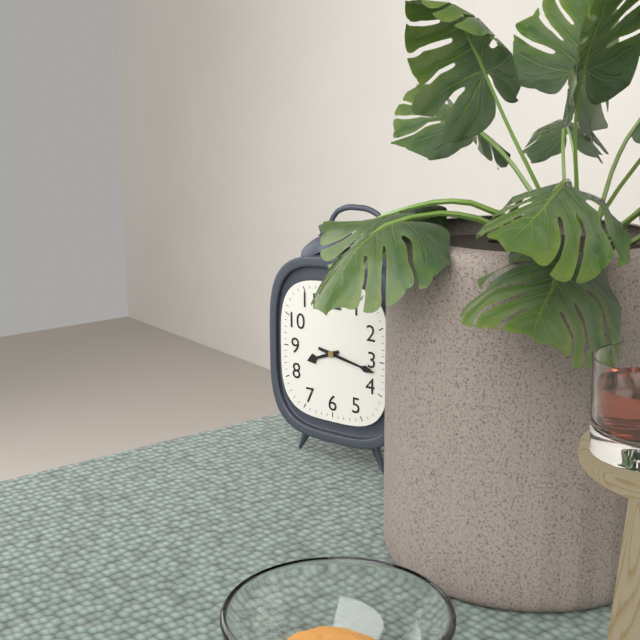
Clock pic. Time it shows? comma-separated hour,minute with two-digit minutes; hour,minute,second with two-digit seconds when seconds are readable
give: 8,17
